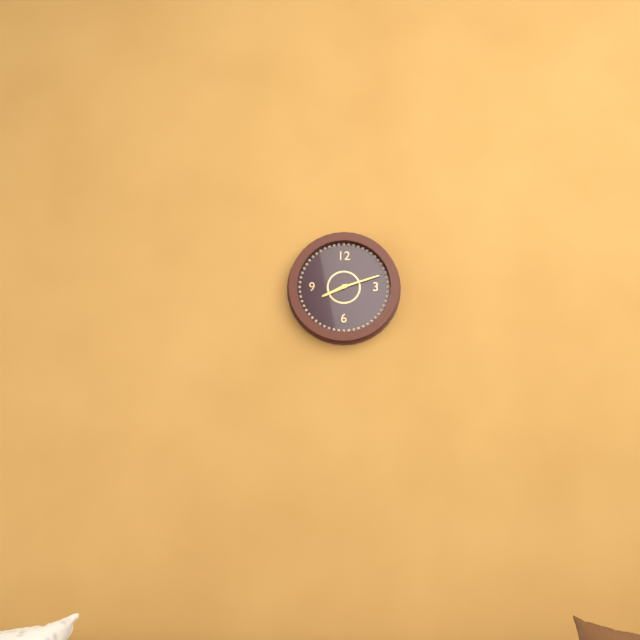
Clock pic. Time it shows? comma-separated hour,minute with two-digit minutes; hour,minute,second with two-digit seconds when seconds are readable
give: 8,12
